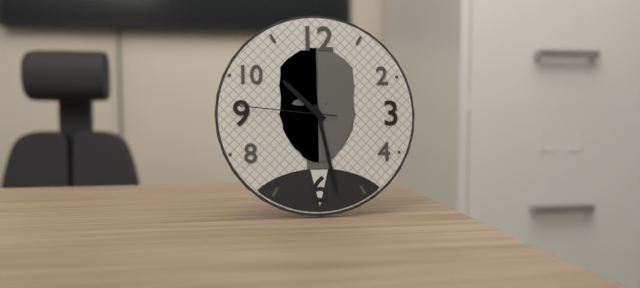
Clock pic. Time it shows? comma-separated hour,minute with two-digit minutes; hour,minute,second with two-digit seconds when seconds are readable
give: 10,28,46
